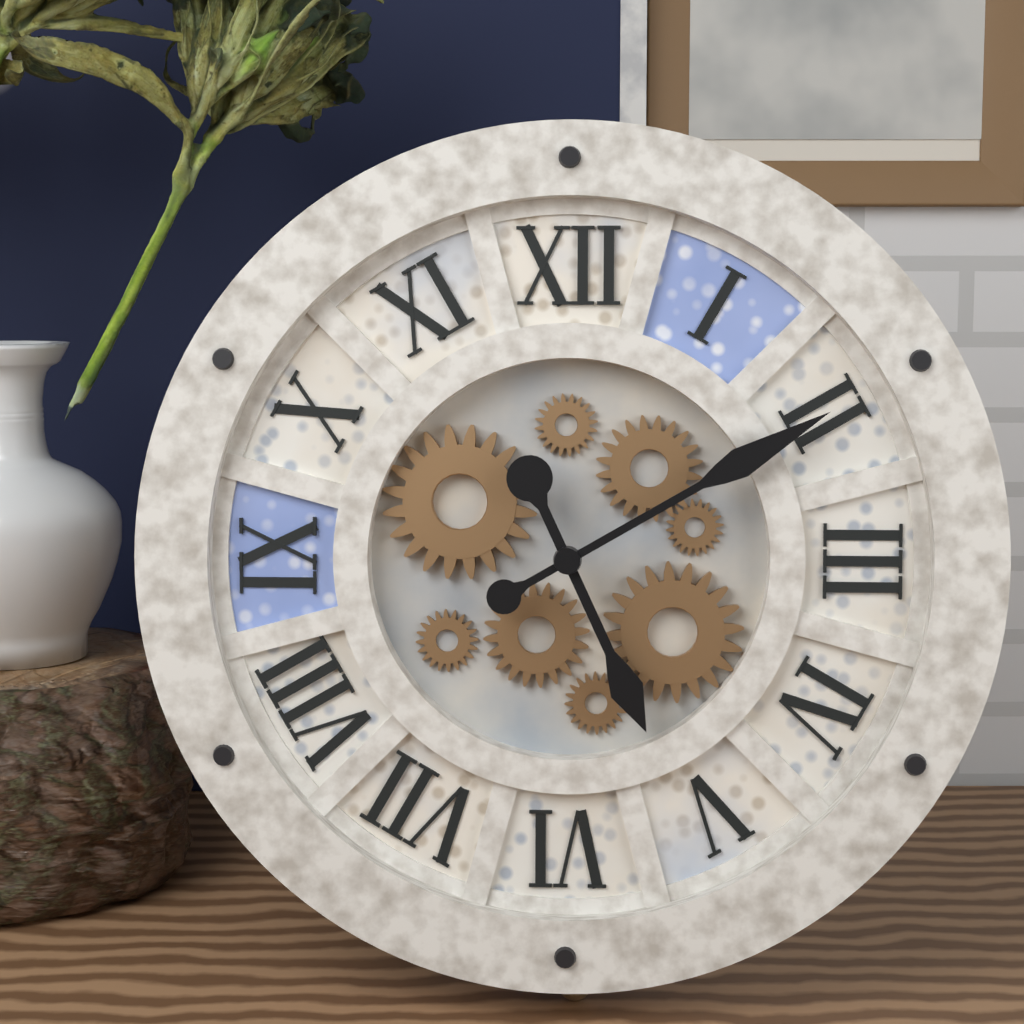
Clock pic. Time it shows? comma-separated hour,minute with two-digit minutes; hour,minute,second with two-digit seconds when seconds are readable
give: 5,10
